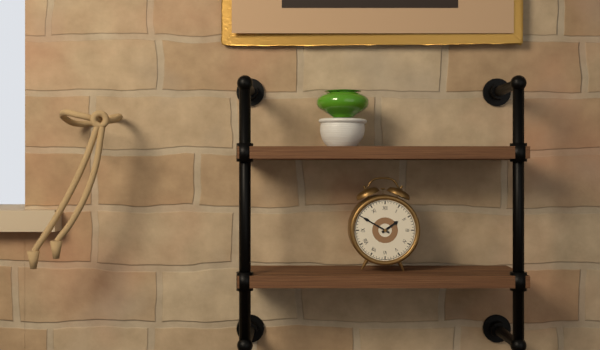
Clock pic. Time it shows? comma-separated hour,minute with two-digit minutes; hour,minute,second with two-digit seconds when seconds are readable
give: 1,50
